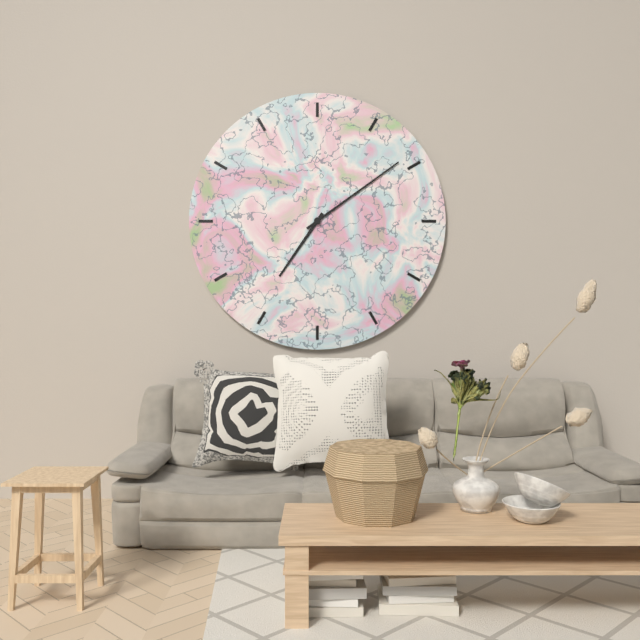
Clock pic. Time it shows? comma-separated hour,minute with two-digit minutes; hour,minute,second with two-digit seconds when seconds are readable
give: 7,09
